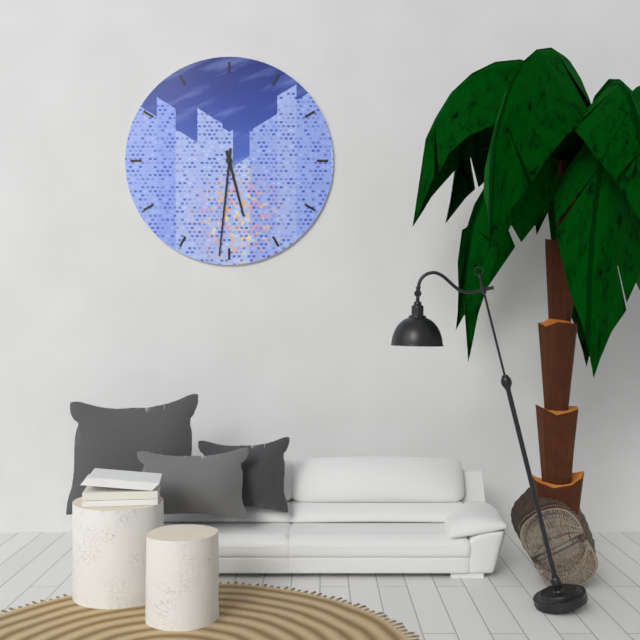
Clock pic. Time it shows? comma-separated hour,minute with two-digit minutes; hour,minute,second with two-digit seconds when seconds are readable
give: 5,31
